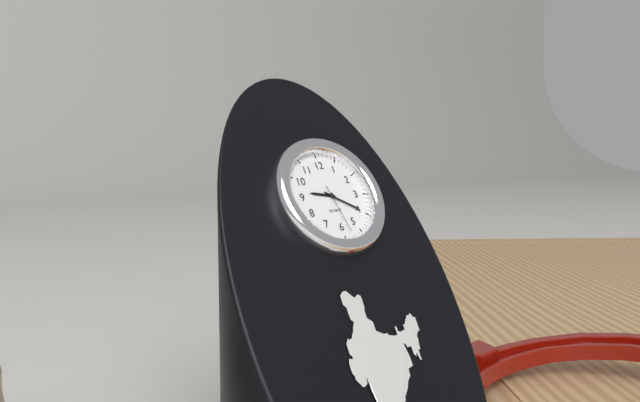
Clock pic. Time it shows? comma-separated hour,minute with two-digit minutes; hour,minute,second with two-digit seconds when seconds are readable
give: 9,20,28
